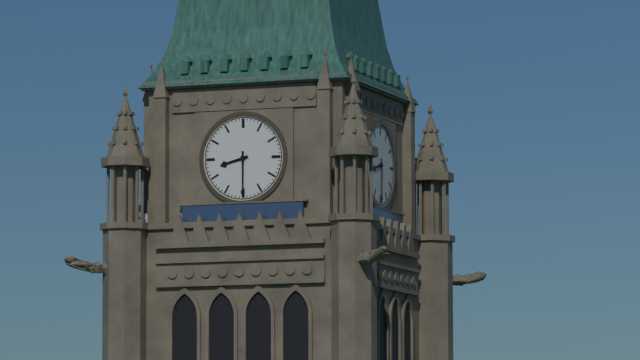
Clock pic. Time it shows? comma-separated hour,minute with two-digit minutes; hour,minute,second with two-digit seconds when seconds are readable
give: 8,30
